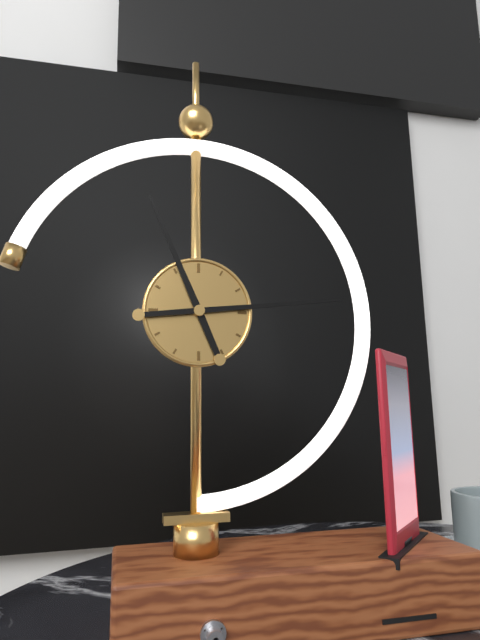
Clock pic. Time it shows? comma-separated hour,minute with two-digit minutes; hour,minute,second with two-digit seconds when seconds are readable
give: 11,14
